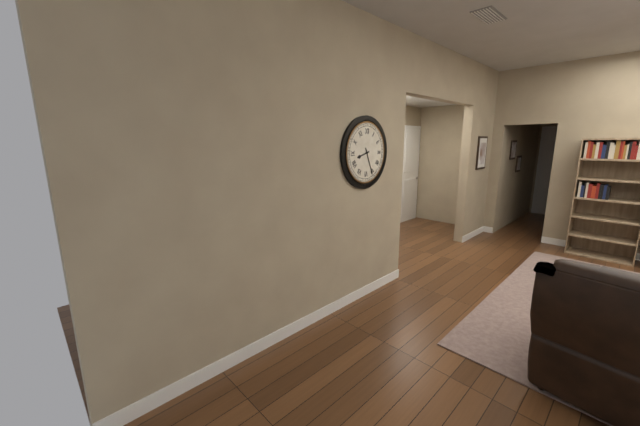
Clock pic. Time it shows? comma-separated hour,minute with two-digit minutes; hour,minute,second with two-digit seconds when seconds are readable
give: 8,26
